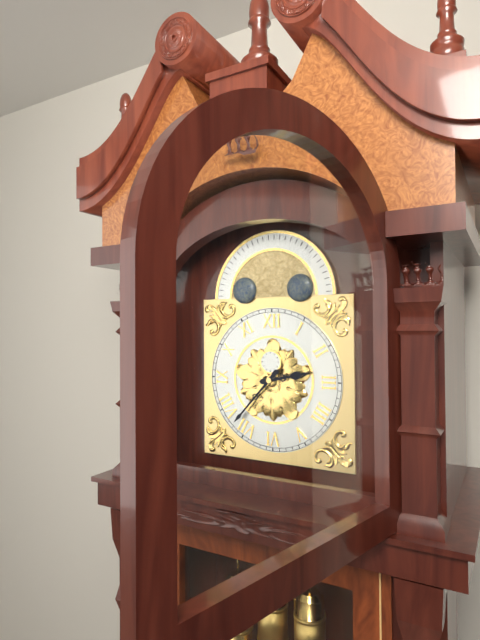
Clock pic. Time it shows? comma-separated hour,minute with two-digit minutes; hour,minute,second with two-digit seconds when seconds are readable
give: 2,37
